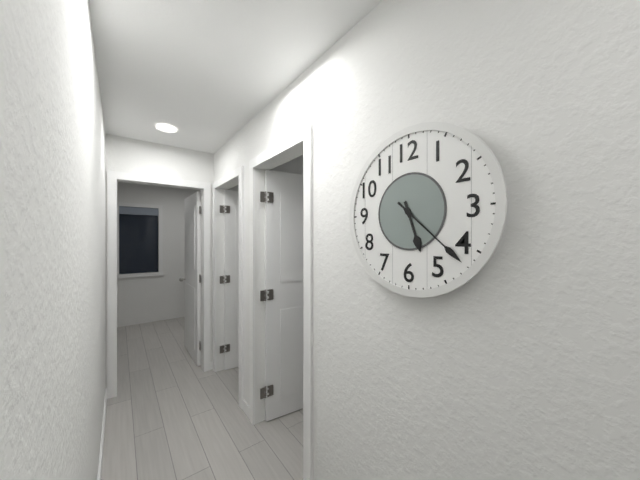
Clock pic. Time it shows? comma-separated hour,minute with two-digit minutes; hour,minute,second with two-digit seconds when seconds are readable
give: 5,22
